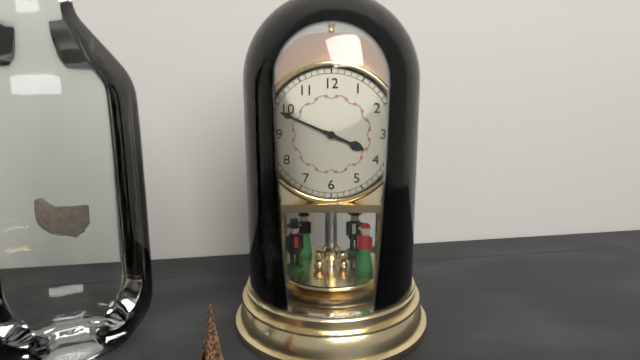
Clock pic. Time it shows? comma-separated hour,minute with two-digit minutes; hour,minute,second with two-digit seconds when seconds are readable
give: 3,49
